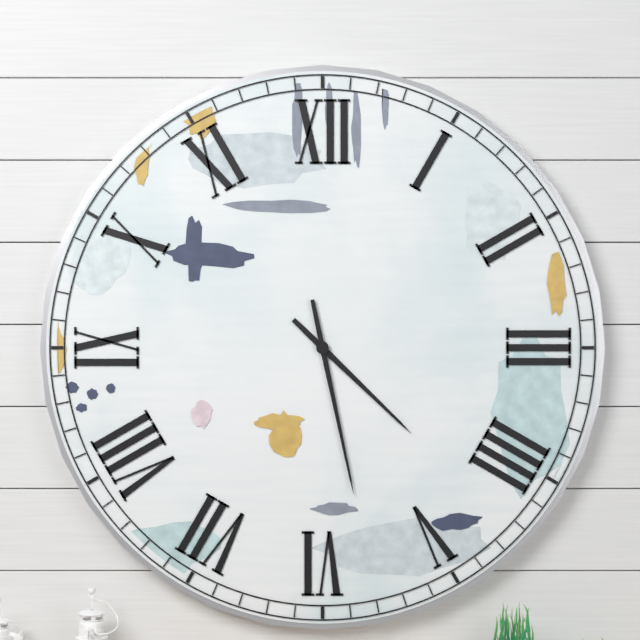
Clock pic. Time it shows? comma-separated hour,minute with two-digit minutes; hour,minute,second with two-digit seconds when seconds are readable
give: 4,28
